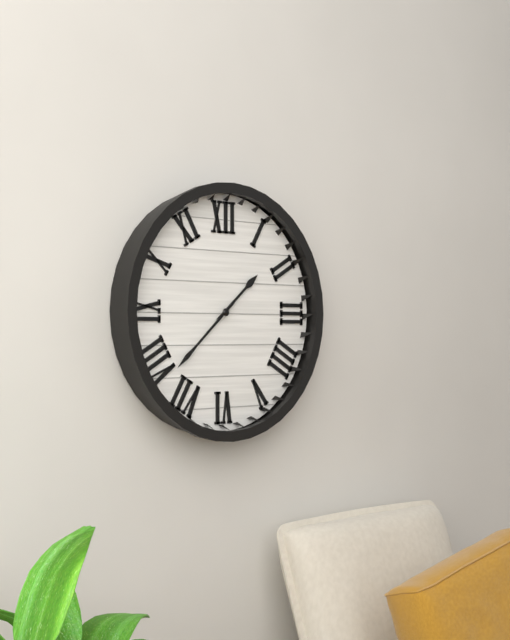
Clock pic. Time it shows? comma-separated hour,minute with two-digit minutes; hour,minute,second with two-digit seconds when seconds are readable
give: 1,38
